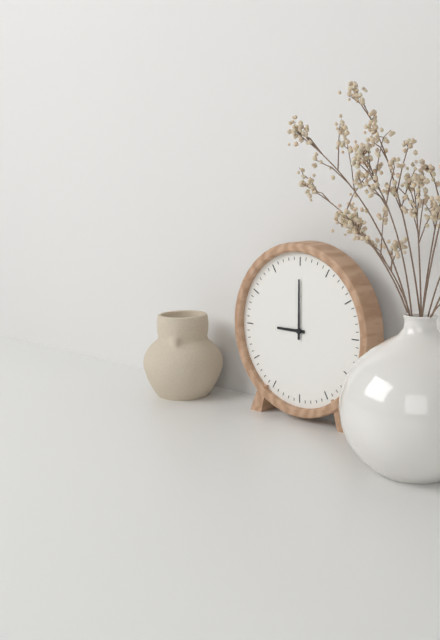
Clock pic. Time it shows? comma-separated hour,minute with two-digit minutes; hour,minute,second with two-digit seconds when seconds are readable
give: 9,00
